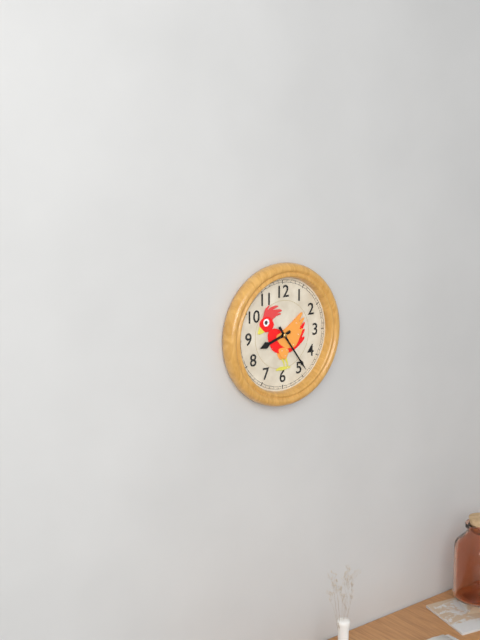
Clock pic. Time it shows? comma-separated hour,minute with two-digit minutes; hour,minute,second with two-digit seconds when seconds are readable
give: 8,24
